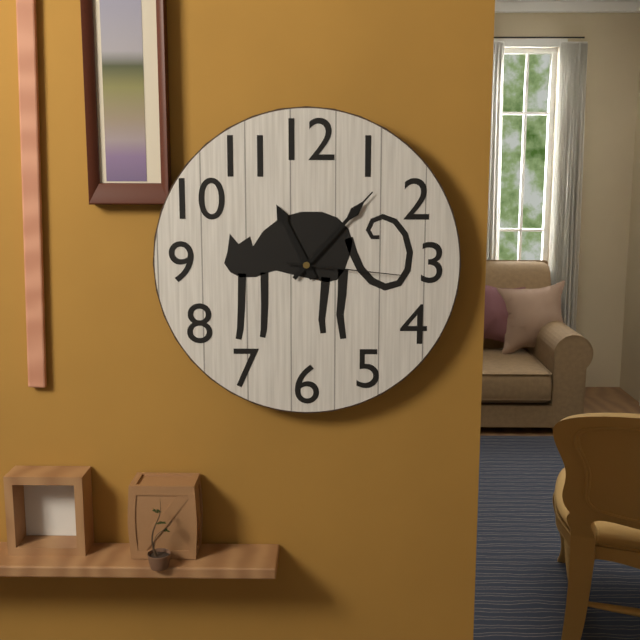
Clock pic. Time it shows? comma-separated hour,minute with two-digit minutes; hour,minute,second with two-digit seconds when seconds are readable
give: 11,07,16
